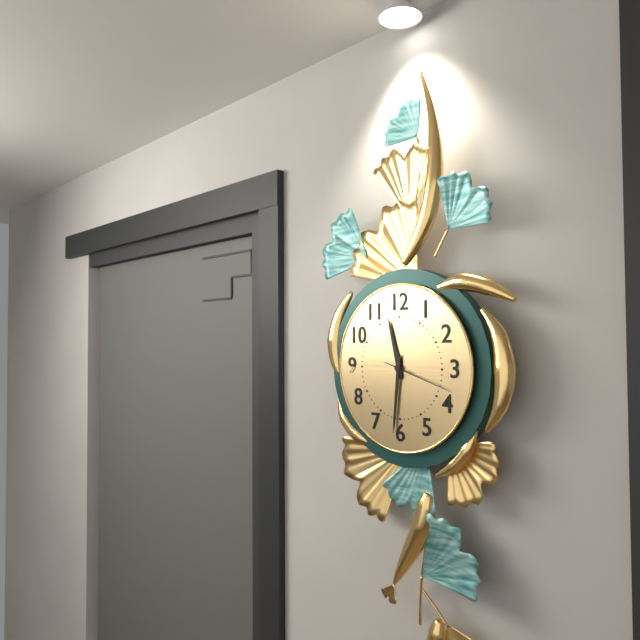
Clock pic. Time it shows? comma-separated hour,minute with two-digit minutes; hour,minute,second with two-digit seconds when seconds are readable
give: 11,31,18
